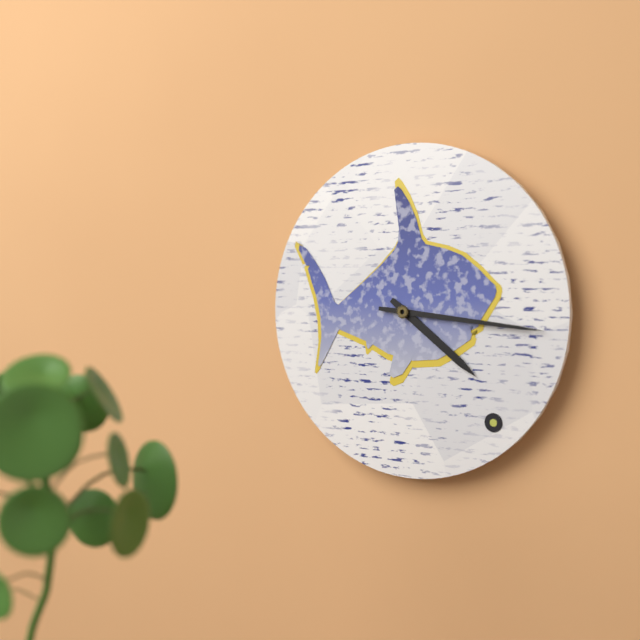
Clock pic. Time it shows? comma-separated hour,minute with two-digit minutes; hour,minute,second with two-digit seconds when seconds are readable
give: 4,16
